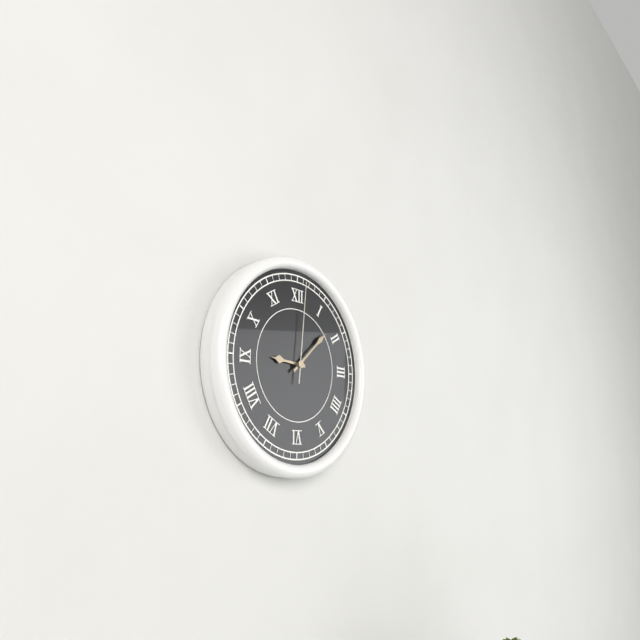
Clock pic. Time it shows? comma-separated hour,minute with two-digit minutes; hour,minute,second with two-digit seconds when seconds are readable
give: 9,08,01
